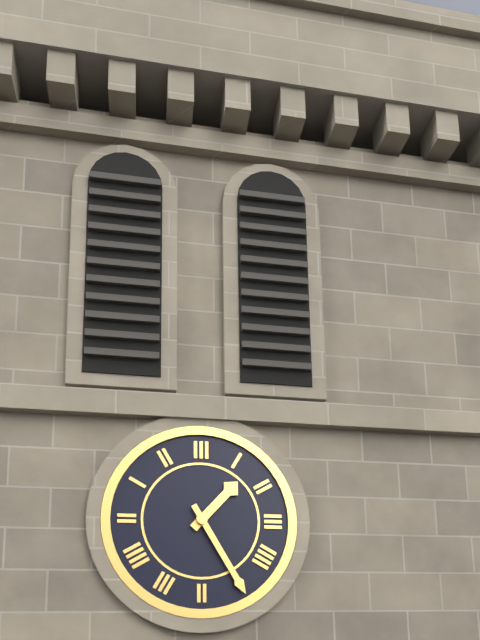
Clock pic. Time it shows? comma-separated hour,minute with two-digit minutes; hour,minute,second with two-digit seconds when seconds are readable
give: 1,25
